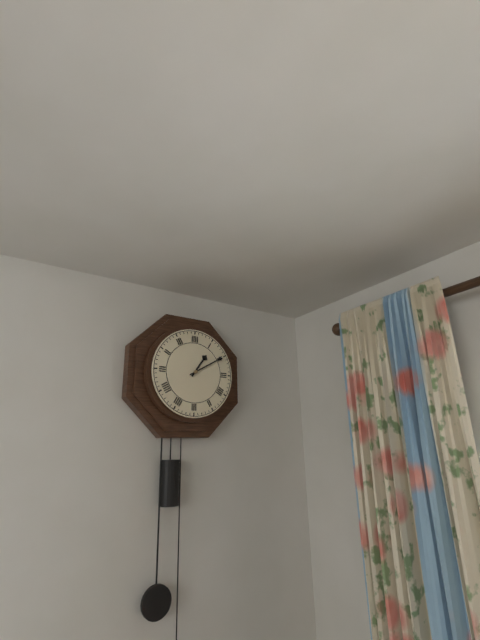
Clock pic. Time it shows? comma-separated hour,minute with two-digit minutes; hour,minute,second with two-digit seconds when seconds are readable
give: 1,10
